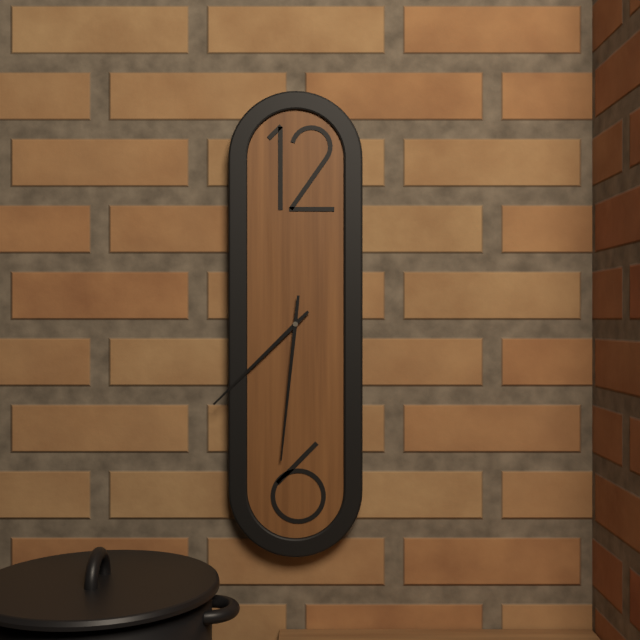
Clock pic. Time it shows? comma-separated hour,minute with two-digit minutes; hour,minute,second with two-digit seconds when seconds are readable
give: 7,31
